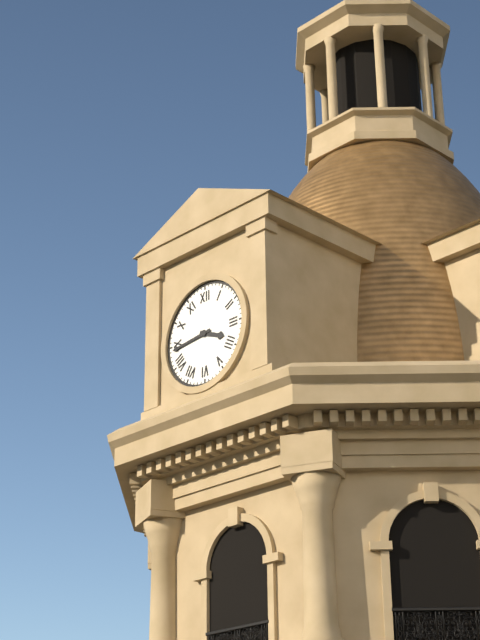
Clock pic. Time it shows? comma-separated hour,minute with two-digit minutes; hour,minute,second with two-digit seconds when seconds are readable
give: 3,44
